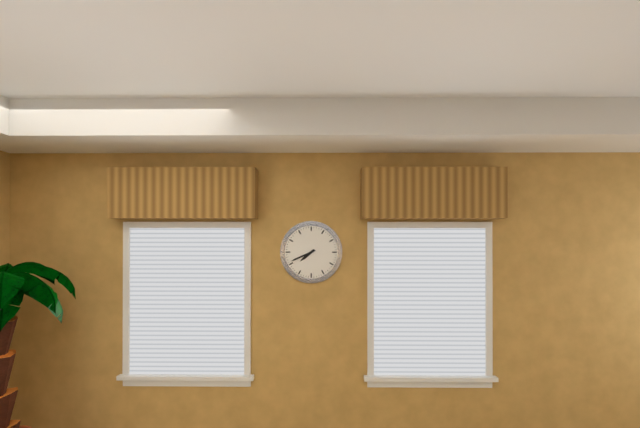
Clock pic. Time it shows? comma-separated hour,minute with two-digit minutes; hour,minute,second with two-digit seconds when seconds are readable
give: 7,41
